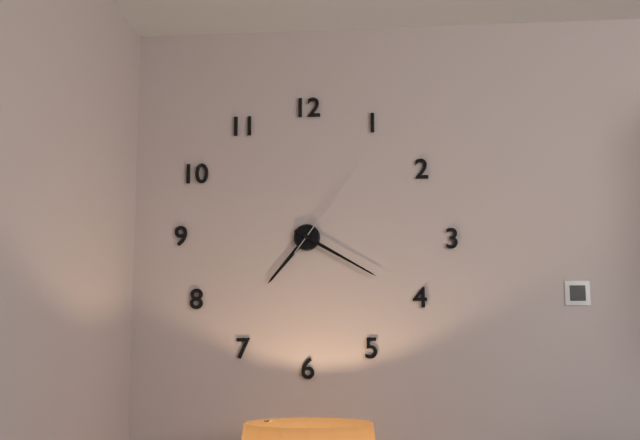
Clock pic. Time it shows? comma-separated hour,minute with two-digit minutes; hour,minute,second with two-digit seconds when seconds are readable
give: 7,20,06
